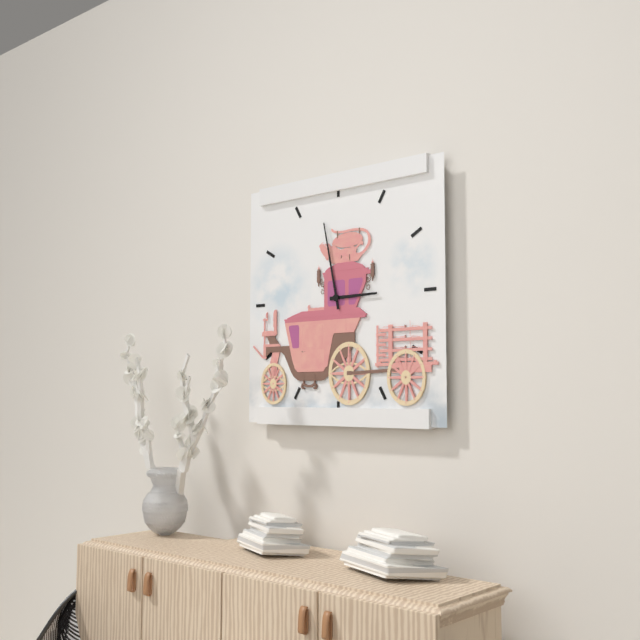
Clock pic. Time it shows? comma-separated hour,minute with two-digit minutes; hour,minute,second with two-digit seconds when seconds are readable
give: 2,58
